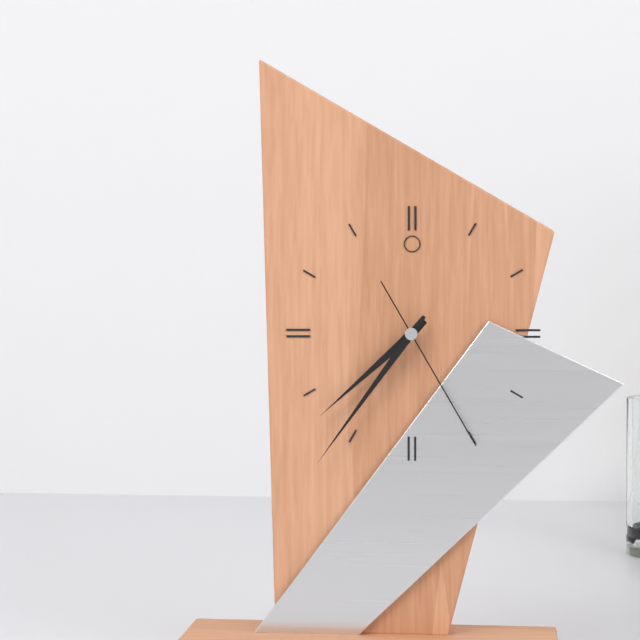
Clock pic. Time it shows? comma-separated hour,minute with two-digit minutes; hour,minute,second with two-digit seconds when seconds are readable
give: 7,36,25
